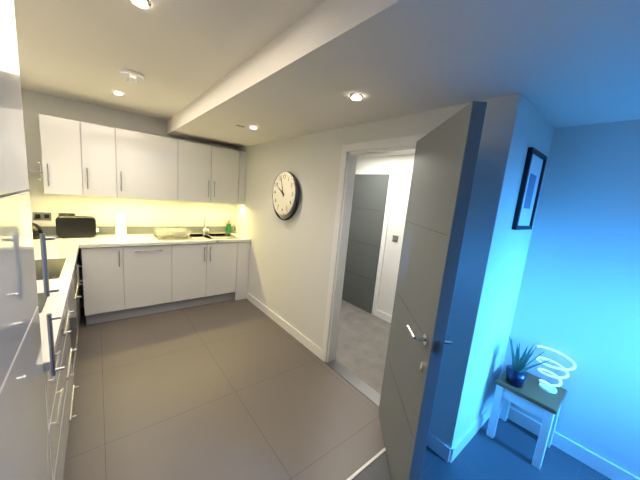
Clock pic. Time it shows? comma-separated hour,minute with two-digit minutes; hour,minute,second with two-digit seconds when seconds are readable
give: 9,57
